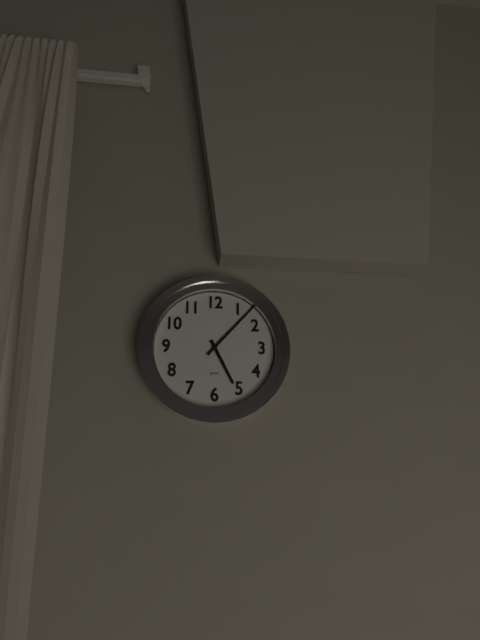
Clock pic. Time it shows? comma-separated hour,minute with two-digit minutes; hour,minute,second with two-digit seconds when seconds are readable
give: 5,07
